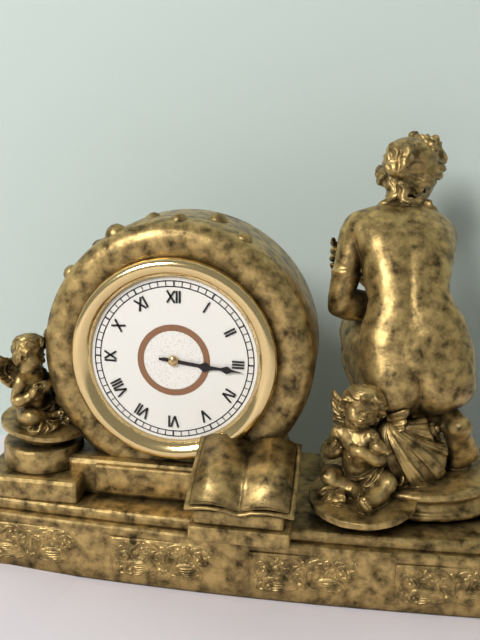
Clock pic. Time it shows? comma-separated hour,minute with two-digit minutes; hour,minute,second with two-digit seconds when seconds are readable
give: 3,16
